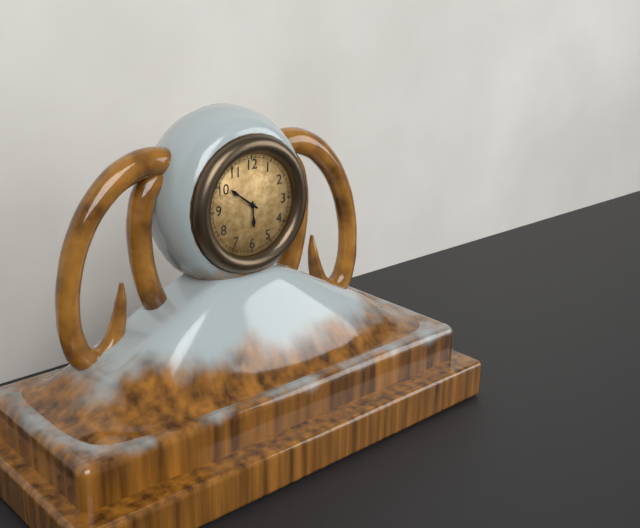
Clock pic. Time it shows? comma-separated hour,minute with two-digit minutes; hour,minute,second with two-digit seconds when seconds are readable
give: 5,51
